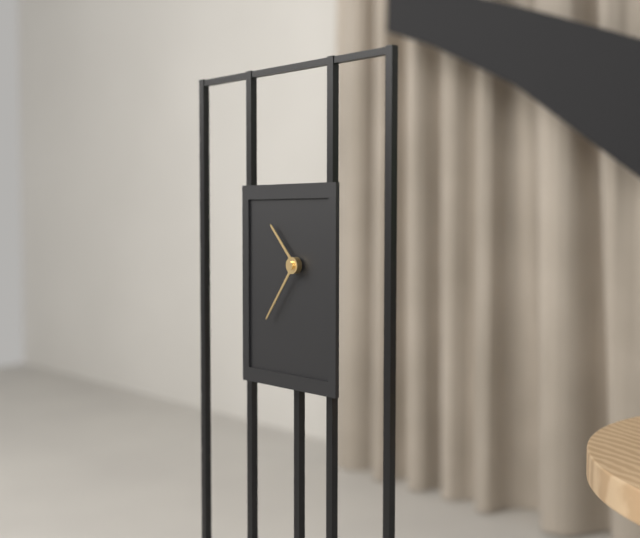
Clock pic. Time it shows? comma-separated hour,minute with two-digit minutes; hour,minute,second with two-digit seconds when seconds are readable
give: 10,36
